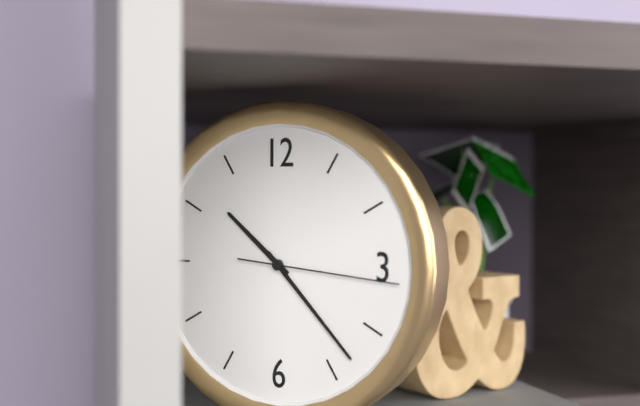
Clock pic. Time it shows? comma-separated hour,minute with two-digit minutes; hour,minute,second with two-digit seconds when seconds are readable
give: 10,23,16
